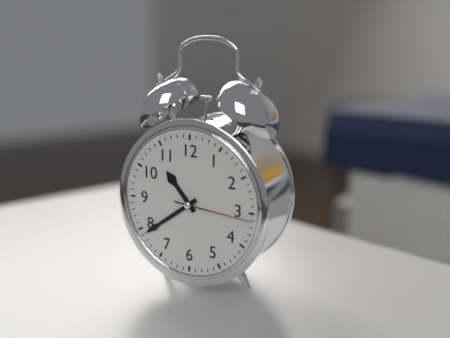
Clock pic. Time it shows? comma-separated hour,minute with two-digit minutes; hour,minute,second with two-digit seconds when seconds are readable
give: 10,39,16
